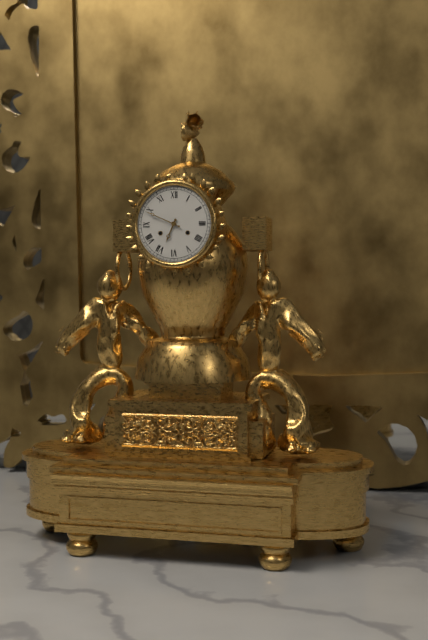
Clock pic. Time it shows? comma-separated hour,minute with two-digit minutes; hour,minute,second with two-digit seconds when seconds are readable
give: 6,49
